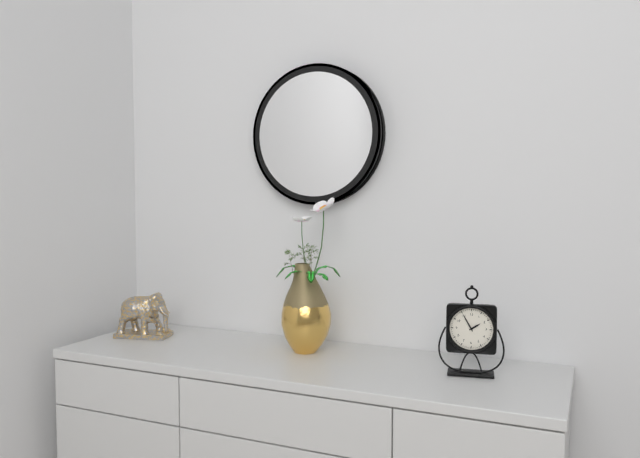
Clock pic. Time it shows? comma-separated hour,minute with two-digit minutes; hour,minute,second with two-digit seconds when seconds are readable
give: 1,55
